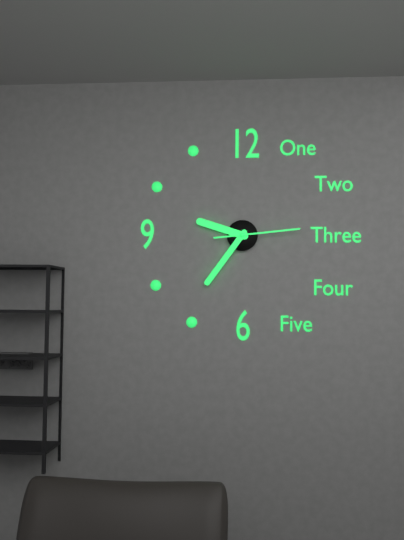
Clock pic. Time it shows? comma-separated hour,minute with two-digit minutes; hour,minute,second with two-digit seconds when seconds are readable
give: 9,36,14
